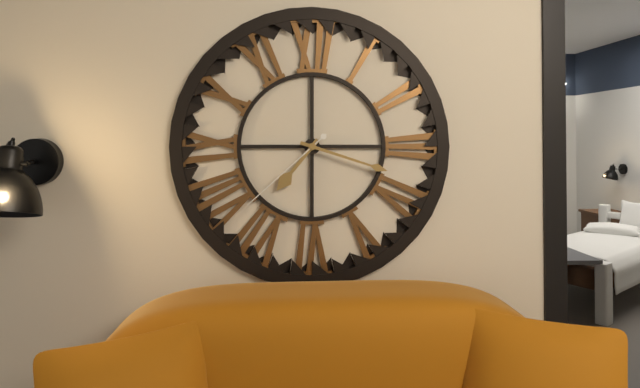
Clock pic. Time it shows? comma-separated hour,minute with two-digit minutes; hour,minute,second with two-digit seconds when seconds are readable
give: 7,18,38
